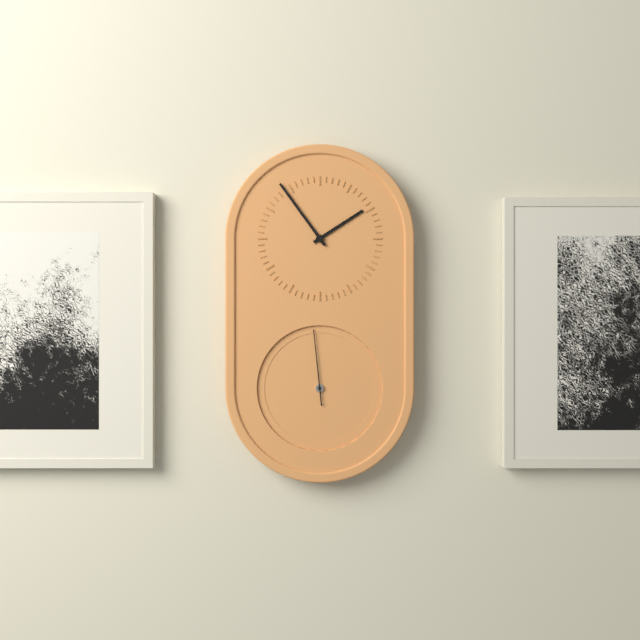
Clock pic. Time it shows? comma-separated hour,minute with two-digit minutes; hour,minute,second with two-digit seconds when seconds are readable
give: 1,54,59
